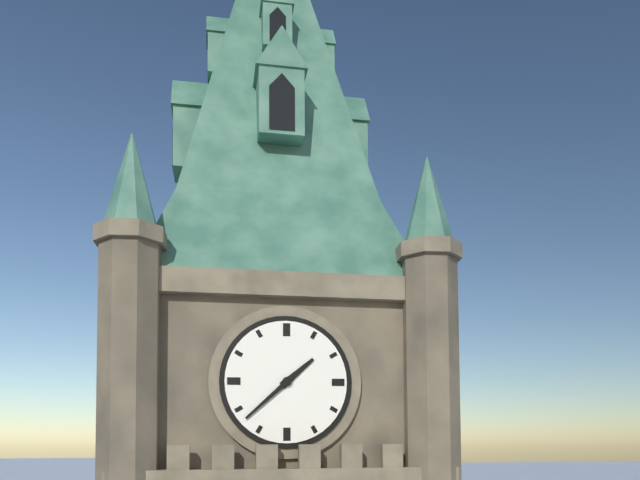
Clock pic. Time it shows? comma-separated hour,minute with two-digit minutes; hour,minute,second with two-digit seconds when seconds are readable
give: 1,38
